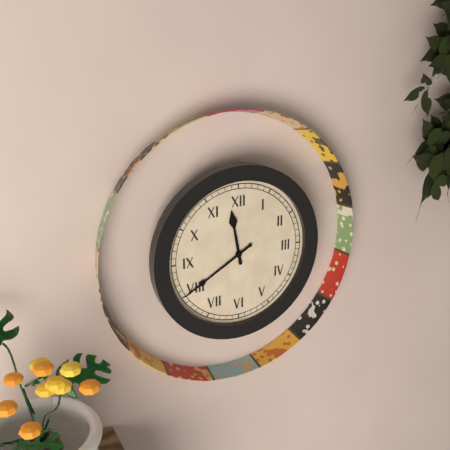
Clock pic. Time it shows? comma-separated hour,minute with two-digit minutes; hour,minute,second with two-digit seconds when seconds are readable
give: 11,40
